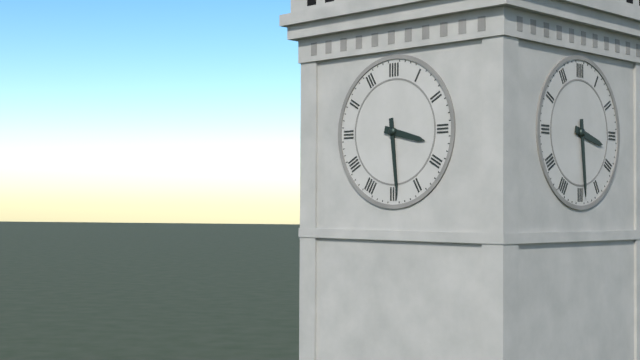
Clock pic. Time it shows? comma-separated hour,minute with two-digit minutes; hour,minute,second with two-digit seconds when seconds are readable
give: 3,29
